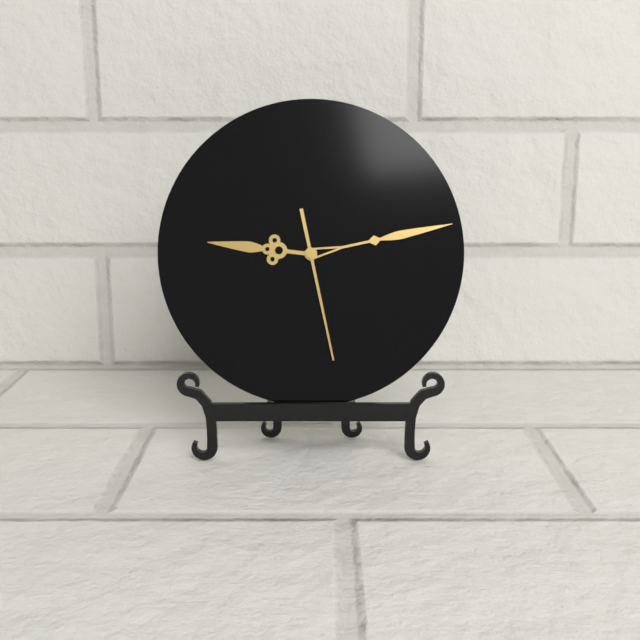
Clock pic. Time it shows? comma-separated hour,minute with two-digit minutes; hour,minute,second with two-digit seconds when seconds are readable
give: 9,13,28
